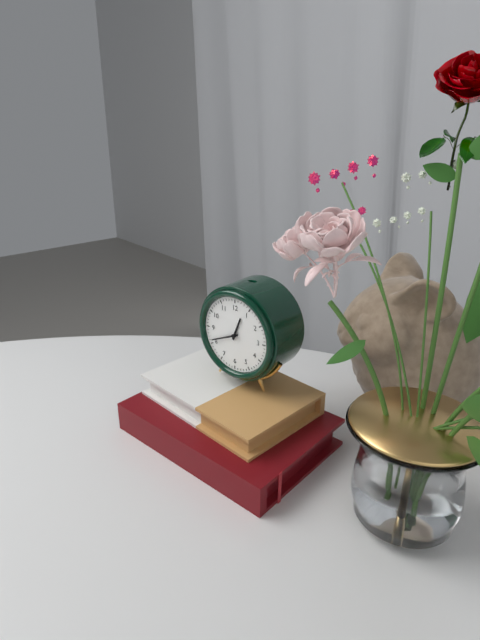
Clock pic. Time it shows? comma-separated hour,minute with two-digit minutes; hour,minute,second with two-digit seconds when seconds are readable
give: 12,41
